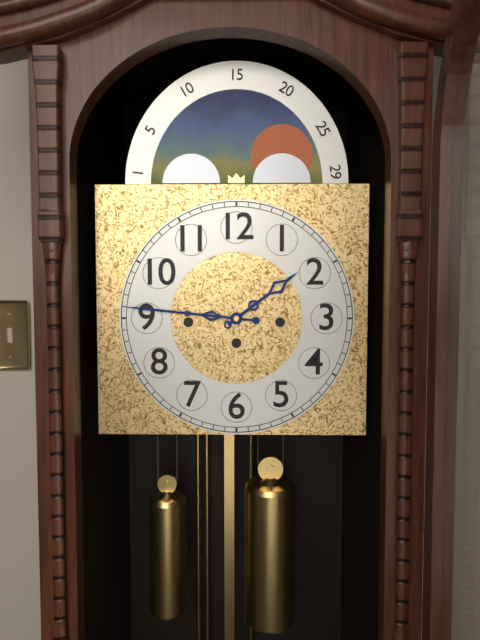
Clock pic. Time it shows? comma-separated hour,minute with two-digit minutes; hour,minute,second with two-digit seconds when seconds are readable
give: 1,46
